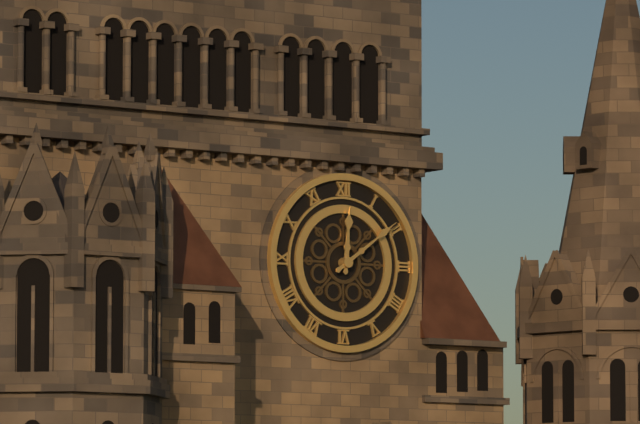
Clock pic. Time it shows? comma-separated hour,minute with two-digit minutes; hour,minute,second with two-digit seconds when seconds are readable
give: 12,09
